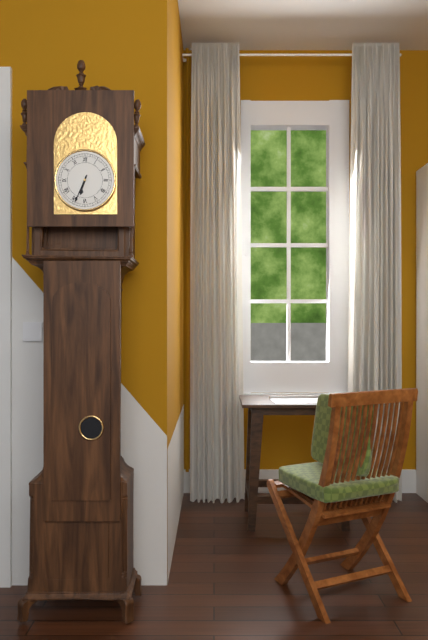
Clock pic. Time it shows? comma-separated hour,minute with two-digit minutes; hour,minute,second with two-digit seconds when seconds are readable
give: 6,34
